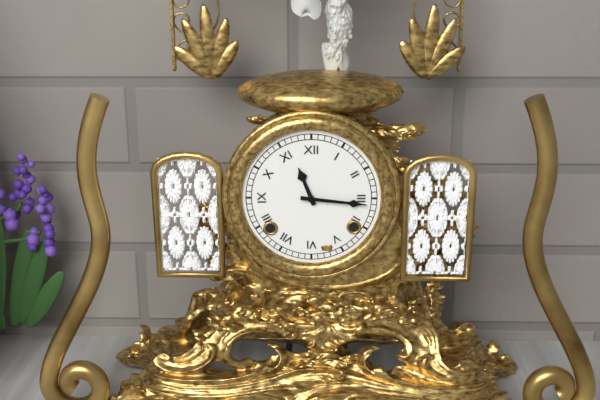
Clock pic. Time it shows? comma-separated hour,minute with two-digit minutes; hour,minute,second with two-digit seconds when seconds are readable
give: 11,16
